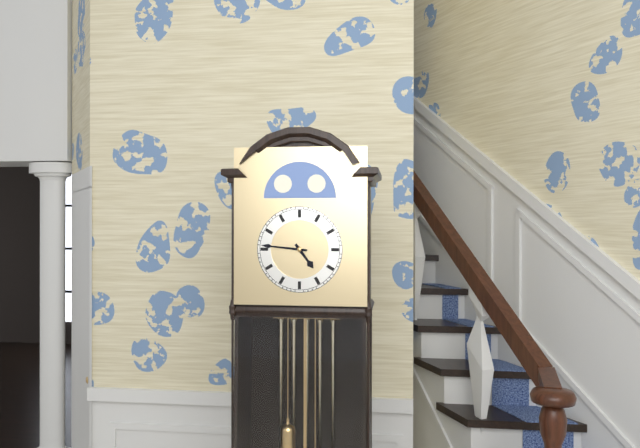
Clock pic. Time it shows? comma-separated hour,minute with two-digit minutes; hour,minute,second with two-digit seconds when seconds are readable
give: 4,46
